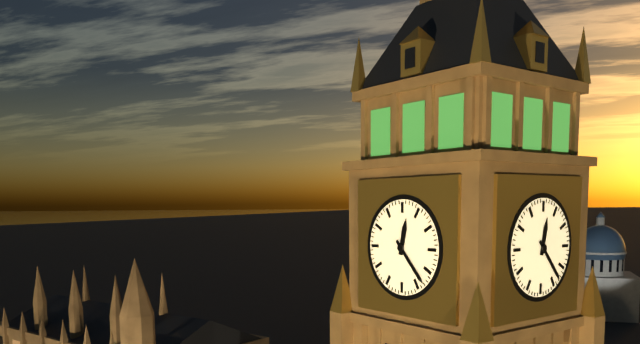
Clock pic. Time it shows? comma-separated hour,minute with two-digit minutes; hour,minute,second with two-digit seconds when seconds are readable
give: 12,23
